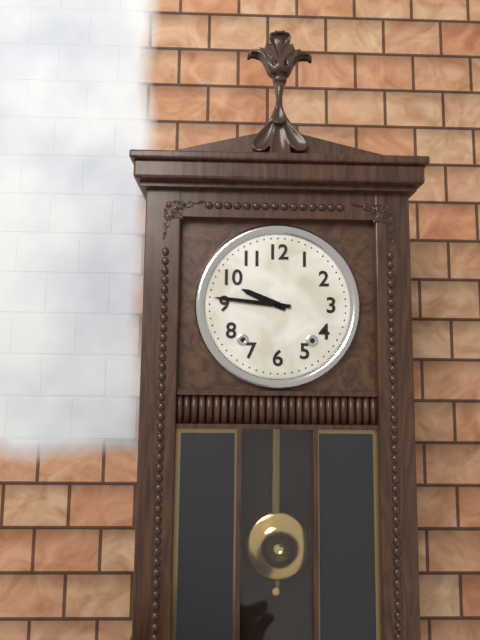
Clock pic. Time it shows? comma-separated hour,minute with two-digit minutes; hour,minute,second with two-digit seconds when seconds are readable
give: 9,46
